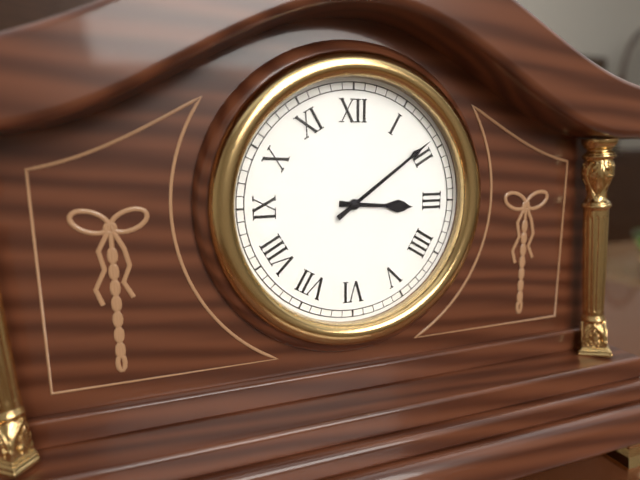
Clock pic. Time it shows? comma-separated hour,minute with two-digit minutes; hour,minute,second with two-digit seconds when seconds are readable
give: 3,09
